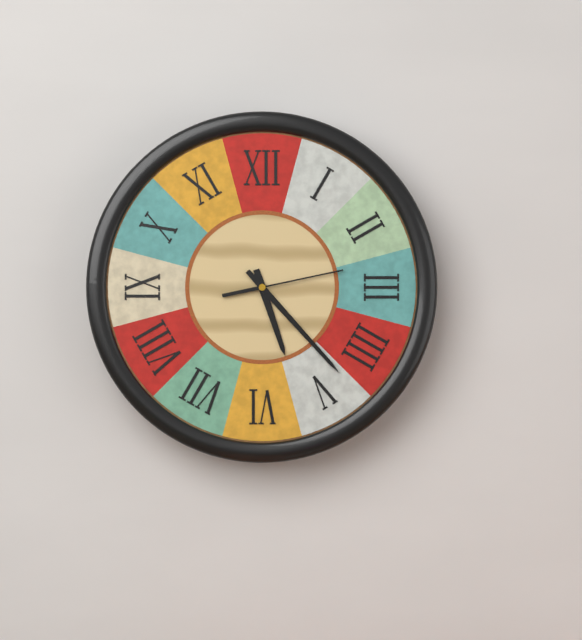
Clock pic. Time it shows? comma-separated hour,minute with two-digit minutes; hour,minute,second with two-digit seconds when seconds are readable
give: 5,23,13
